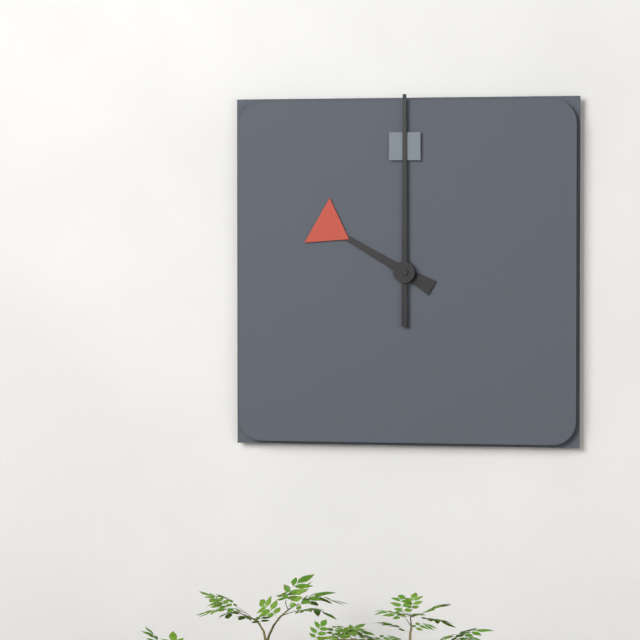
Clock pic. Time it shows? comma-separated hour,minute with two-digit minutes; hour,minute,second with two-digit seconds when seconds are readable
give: 10,00
